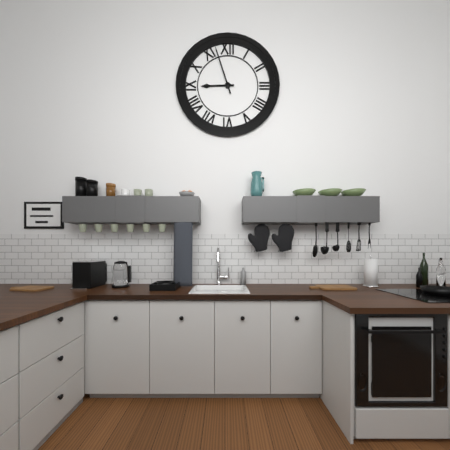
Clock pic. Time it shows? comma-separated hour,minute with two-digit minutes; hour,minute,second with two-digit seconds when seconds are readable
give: 8,57
